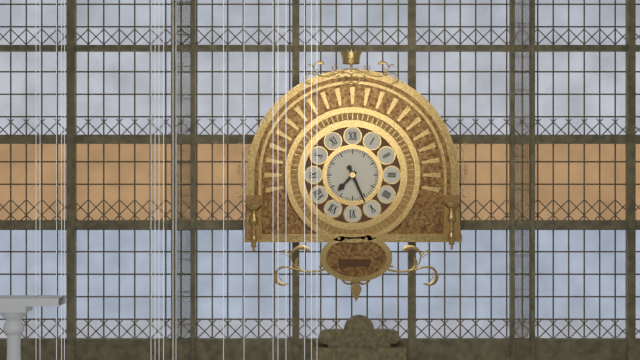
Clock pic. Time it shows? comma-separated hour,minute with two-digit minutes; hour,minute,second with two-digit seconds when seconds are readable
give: 7,26
